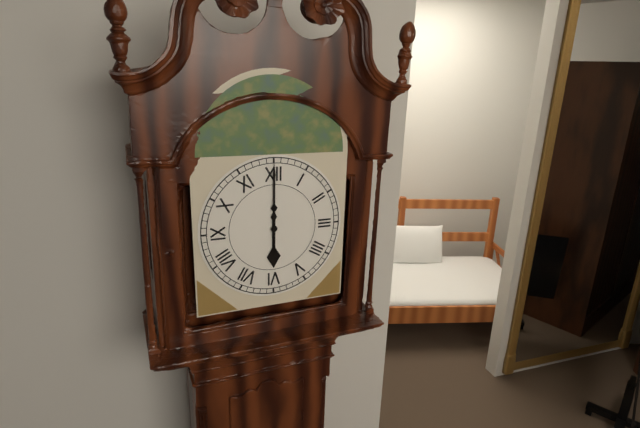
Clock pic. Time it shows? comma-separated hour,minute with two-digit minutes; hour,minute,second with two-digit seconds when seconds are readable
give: 6,00
